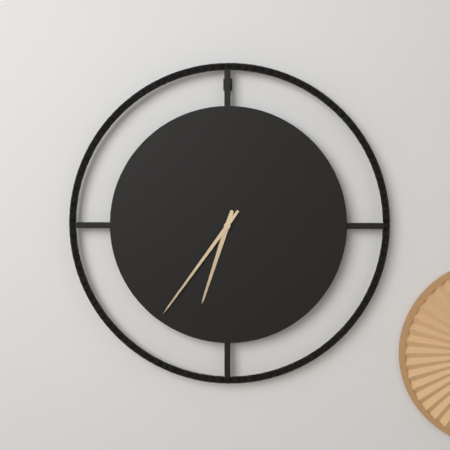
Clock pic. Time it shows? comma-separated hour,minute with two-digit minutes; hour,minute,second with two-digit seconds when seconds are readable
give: 6,36
